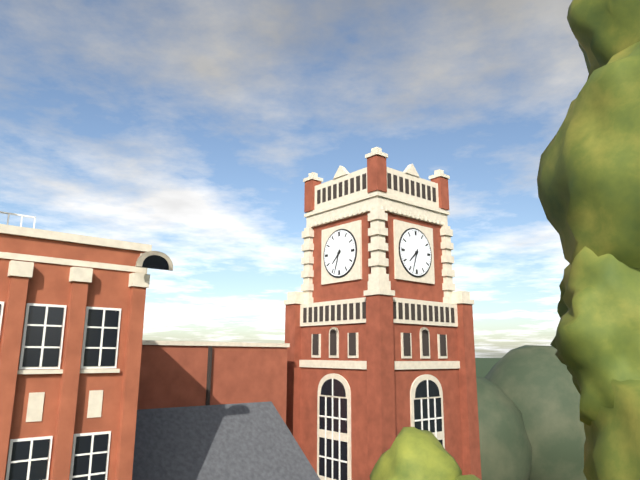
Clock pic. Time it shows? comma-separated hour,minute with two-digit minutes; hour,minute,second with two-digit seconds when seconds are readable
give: 7,33
